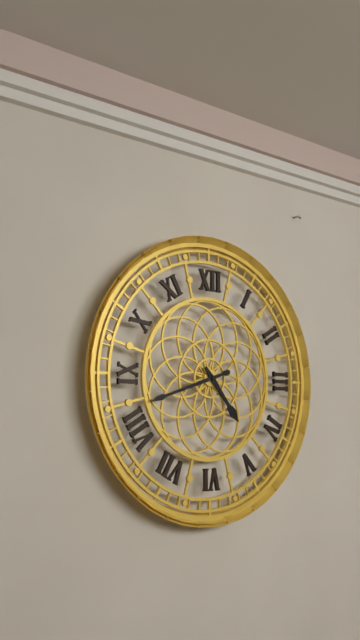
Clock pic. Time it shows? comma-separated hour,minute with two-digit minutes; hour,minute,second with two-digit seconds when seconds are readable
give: 4,42
